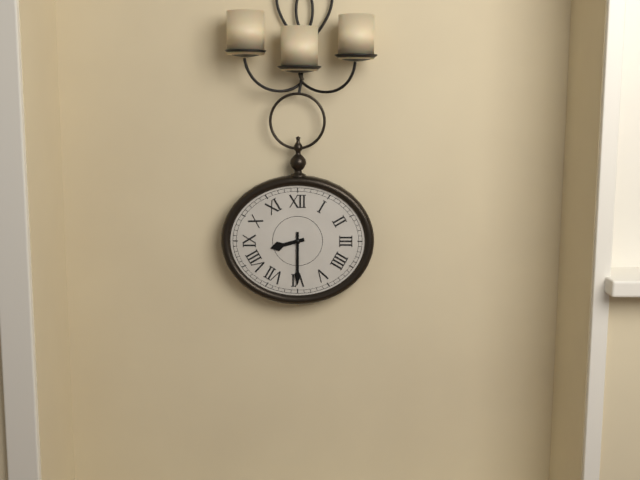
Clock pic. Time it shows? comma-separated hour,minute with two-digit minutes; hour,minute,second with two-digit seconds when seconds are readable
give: 8,30
